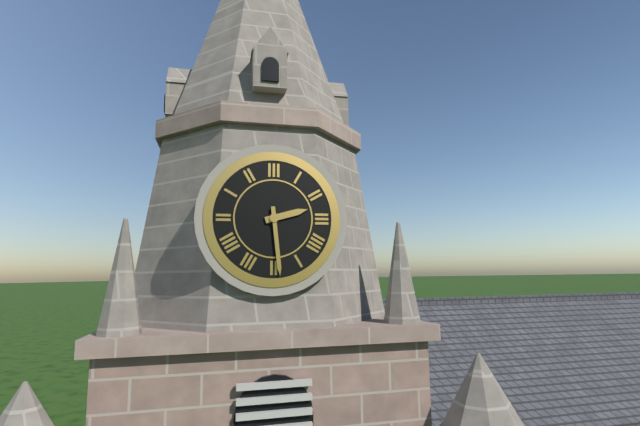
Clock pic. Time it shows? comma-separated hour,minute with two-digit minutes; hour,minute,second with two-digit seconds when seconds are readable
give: 2,29
